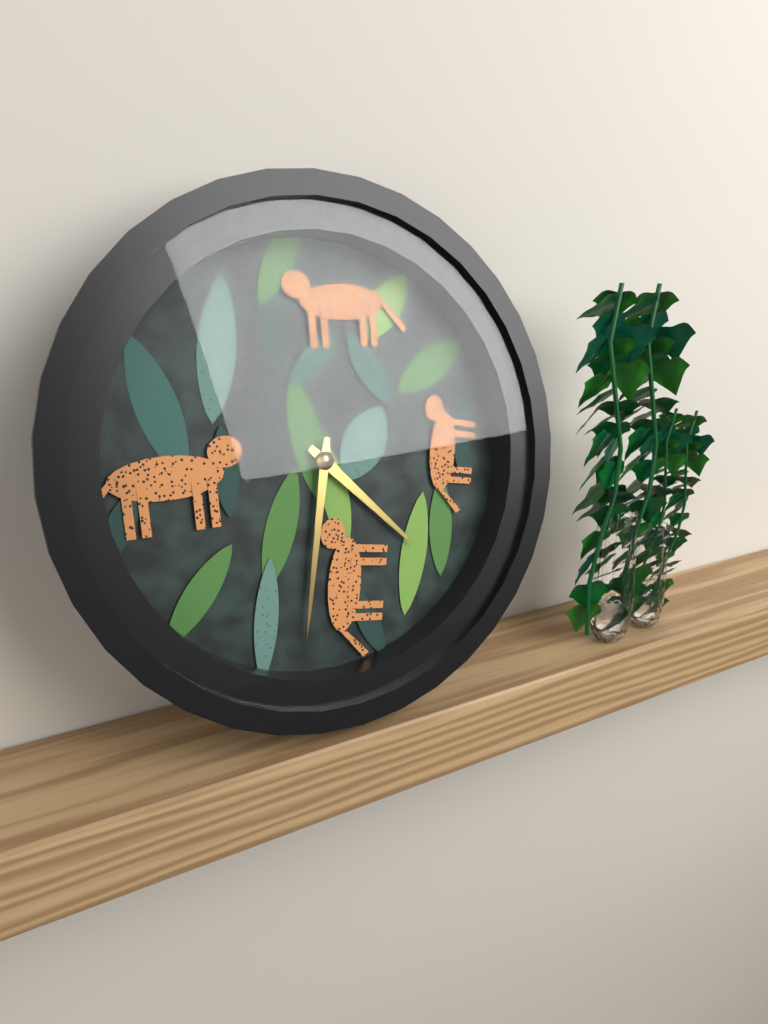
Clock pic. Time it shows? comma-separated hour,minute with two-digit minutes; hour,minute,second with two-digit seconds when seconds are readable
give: 4,32
